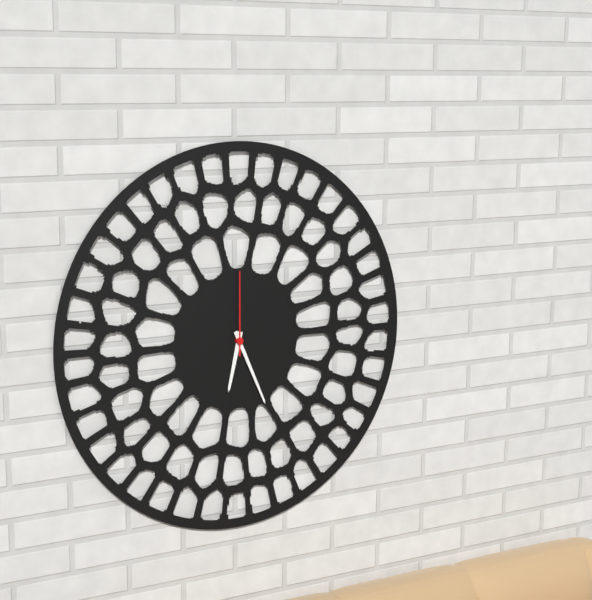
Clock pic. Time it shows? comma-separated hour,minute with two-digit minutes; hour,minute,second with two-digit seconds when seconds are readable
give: 6,26,00
